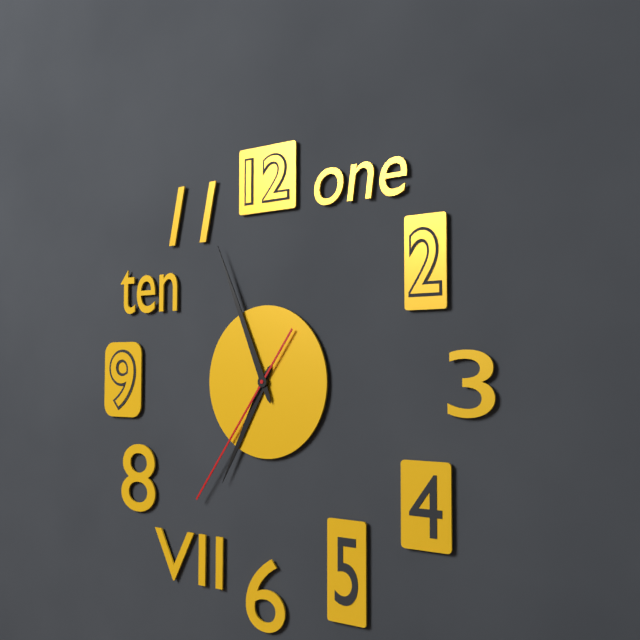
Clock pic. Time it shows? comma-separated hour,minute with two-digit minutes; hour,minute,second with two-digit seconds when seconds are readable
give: 6,56,36
